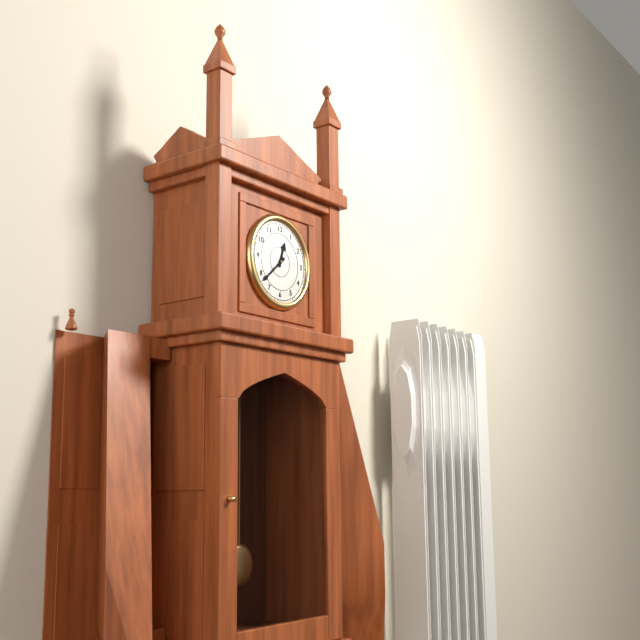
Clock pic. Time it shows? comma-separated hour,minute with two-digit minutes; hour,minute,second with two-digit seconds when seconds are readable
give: 12,38
